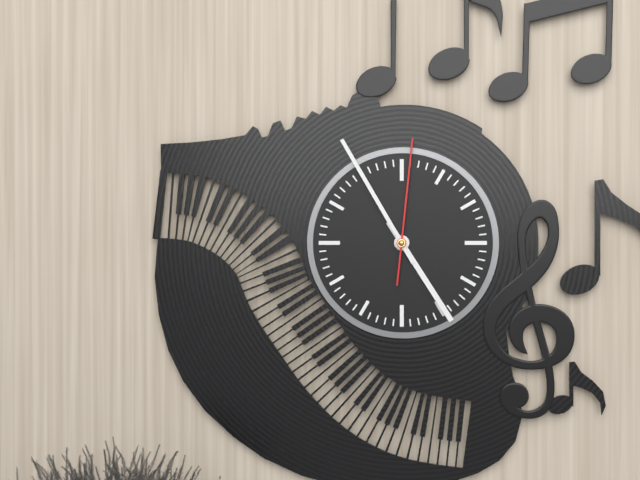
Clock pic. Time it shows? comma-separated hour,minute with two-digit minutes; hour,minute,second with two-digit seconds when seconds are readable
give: 4,55,01
